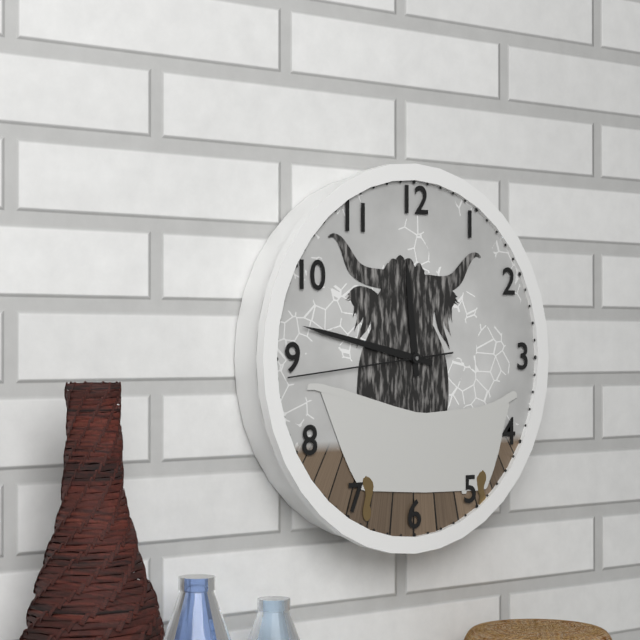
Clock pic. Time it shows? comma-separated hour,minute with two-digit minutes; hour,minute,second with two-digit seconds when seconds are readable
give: 11,47,44
